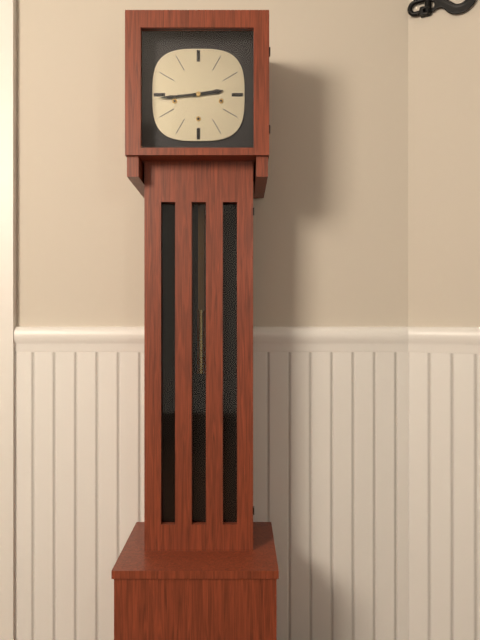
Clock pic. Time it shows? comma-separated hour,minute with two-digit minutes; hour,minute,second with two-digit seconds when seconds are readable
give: 2,44
